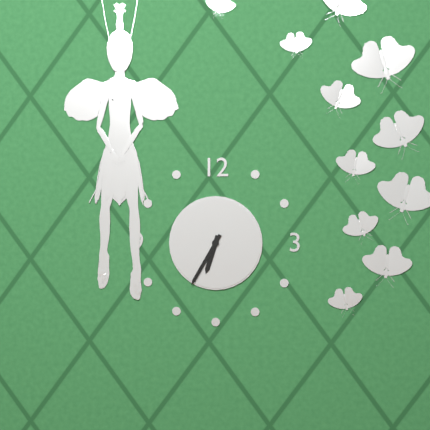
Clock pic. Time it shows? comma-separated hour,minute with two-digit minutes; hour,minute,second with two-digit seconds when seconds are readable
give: 6,35
